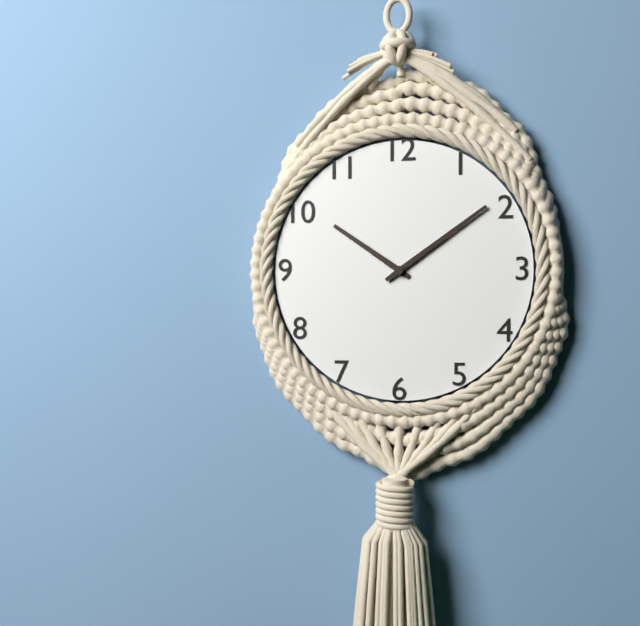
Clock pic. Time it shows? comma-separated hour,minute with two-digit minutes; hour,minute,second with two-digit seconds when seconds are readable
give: 10,09
